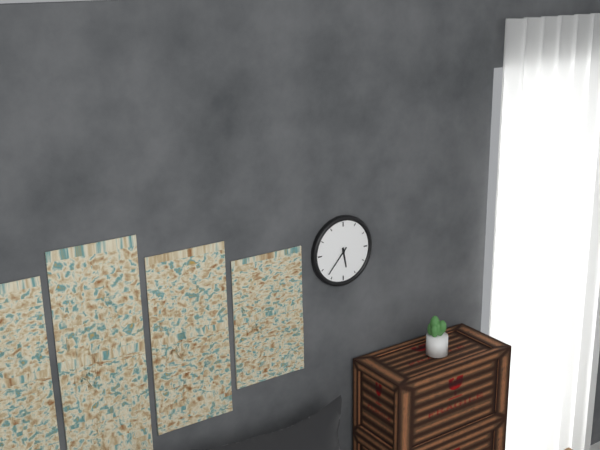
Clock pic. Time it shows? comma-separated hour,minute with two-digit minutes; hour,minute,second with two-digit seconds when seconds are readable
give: 5,37
